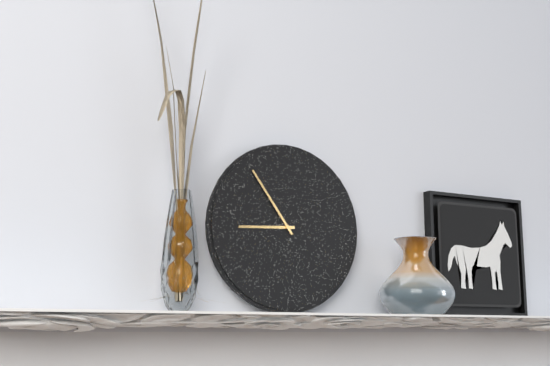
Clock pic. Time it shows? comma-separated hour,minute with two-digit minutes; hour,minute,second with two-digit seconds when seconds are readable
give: 8,54
